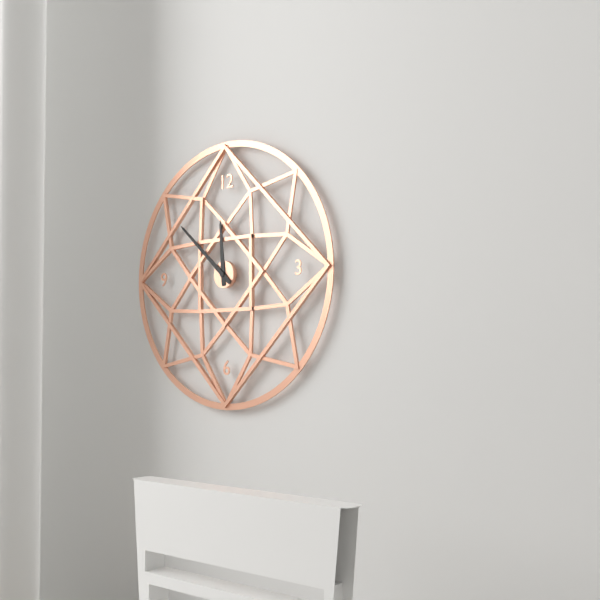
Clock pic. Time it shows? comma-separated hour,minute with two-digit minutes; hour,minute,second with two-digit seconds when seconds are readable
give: 11,52
